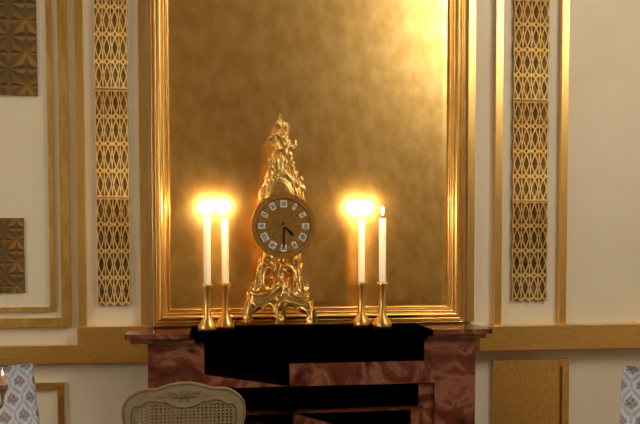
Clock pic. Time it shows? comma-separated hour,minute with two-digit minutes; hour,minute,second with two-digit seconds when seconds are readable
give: 4,30
